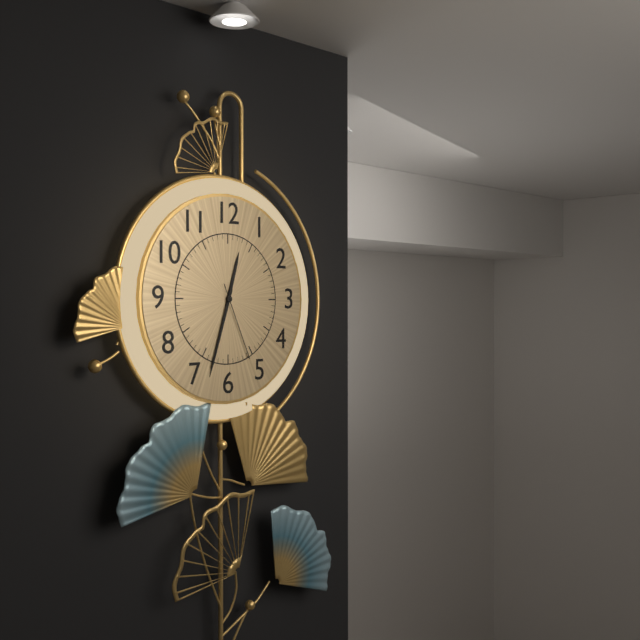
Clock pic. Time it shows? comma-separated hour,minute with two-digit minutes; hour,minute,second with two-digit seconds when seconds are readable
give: 12,33,26
